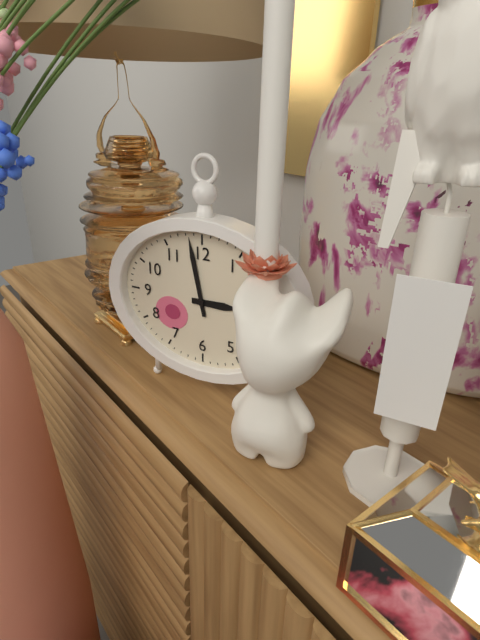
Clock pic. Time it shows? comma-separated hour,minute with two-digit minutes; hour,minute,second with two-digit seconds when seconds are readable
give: 2,58
